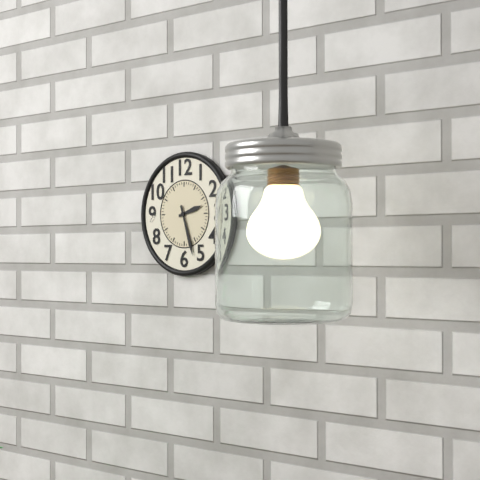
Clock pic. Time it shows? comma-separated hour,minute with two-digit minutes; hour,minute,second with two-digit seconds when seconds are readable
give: 2,27
